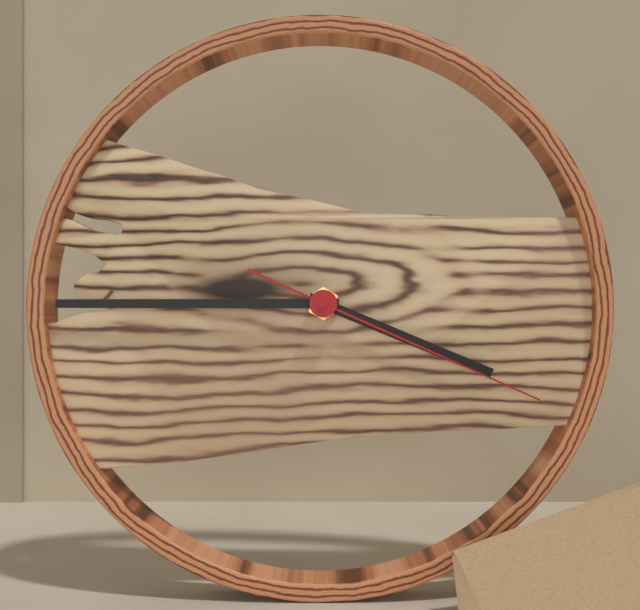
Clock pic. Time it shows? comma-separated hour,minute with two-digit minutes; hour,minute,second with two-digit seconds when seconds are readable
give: 3,45,19
